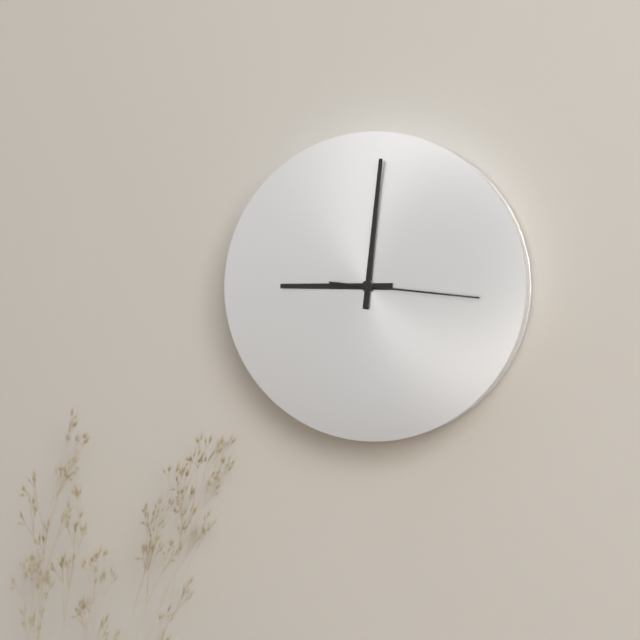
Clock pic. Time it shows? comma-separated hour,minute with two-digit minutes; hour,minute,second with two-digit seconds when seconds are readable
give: 9,01,16
